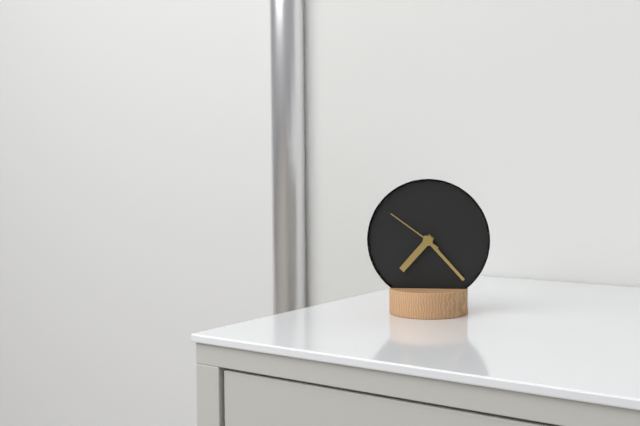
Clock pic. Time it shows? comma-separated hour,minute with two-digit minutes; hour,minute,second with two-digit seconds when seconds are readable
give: 7,23,51
